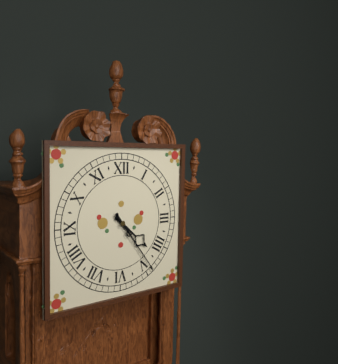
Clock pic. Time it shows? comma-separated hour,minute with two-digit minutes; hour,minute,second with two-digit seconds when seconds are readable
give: 4,24
